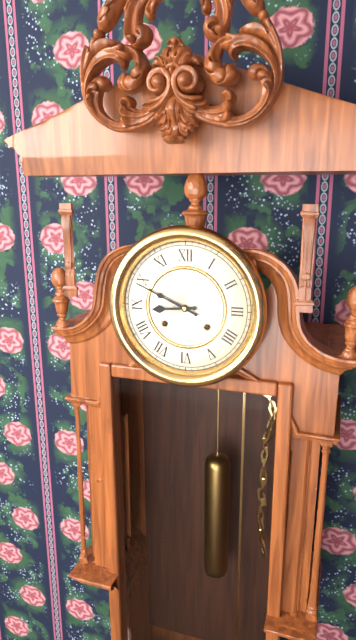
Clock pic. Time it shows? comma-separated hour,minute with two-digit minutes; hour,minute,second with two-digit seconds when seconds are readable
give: 8,49
